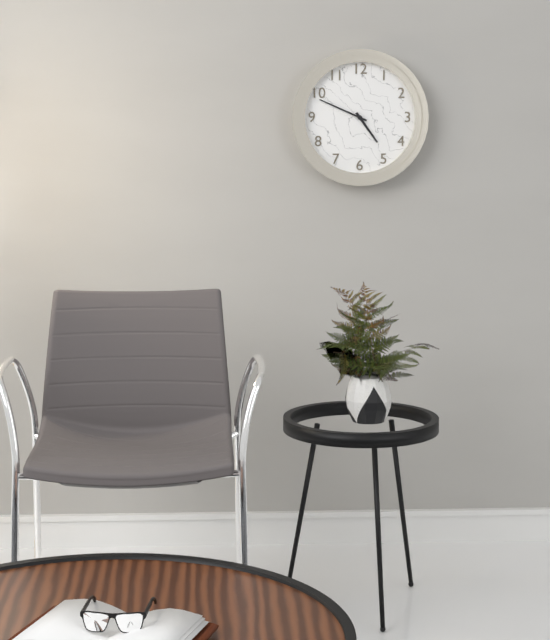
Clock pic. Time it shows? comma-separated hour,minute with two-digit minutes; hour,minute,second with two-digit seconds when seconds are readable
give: 4,49
